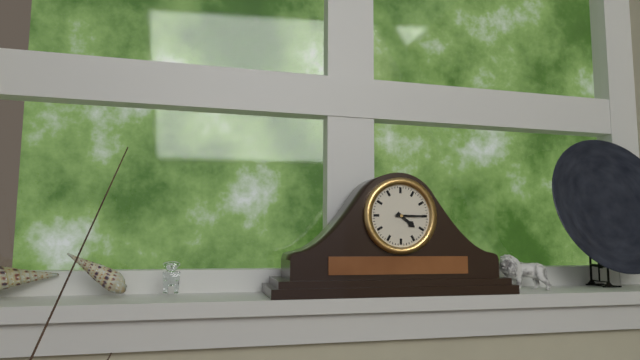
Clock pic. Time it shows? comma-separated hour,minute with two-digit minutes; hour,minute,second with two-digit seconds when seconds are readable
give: 4,15
